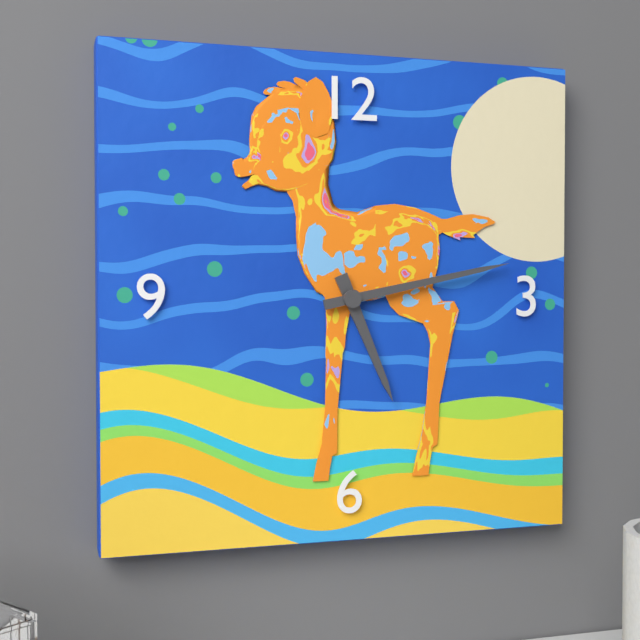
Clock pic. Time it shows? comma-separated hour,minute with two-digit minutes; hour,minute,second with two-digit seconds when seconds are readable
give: 5,13
